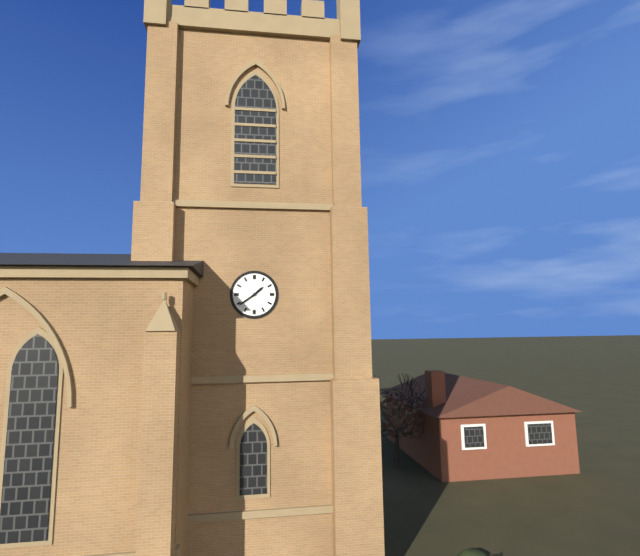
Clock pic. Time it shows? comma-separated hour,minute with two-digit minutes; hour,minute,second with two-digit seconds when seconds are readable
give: 1,39
